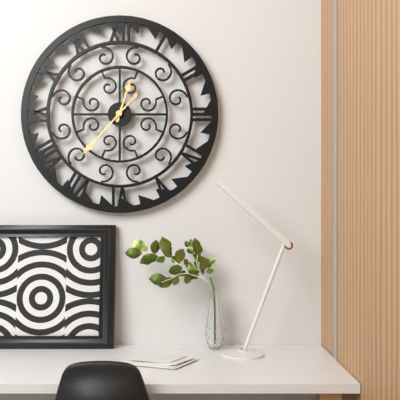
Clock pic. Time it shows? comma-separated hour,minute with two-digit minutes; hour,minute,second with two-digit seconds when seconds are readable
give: 12,37
